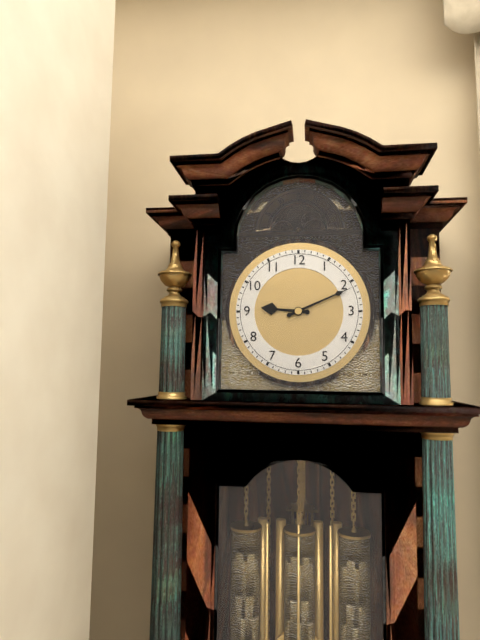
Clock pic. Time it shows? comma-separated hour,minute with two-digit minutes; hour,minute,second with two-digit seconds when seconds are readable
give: 9,11
